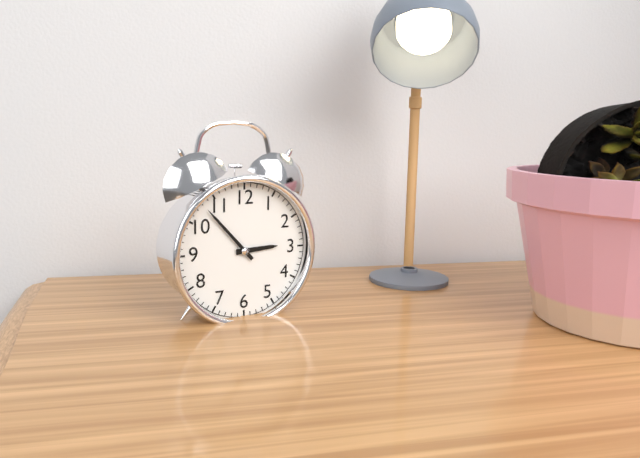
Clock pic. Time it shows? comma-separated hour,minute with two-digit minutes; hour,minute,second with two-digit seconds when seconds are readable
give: 2,53
